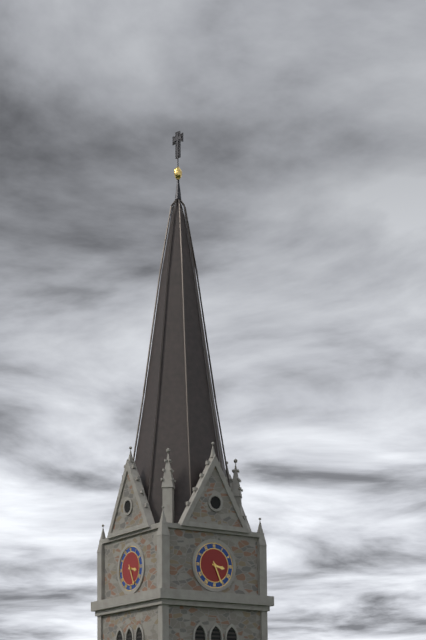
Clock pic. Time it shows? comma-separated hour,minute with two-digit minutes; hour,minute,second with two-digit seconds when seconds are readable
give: 3,26
